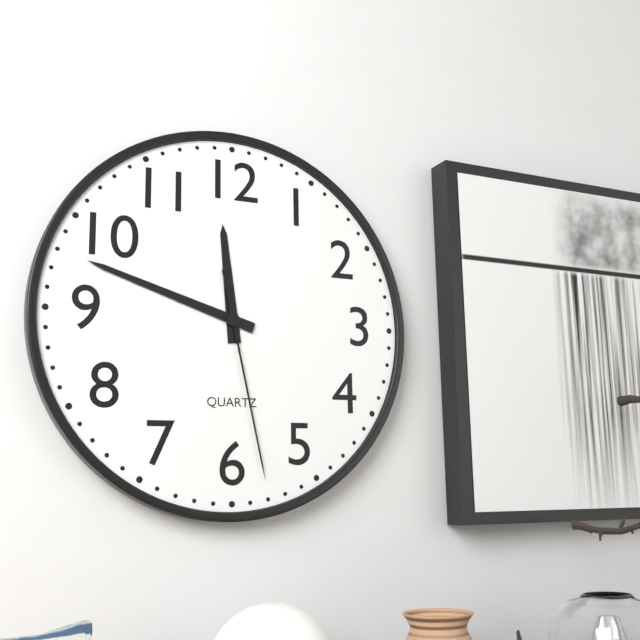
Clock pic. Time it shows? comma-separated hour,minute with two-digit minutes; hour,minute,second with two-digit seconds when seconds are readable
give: 11,48,28
